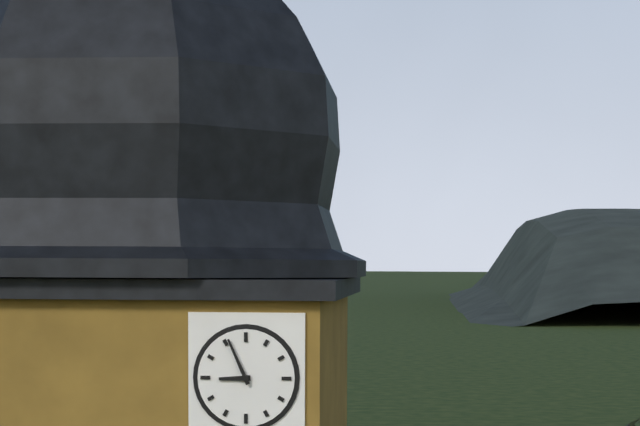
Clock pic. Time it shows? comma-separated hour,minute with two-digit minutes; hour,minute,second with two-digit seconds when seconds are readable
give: 8,56
